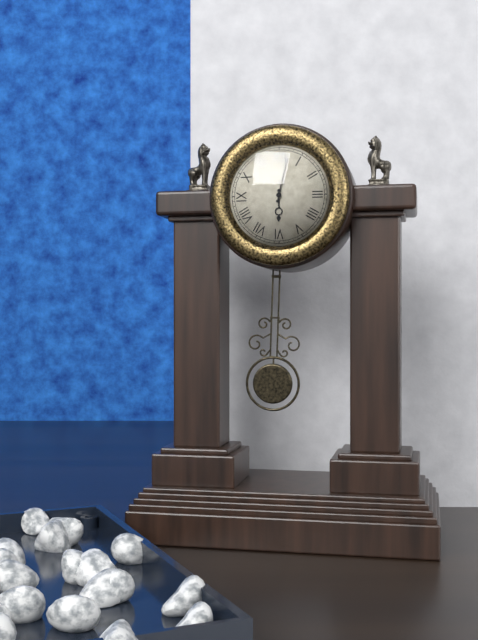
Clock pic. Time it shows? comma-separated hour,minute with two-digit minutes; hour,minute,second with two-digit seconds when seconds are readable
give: 6,02
